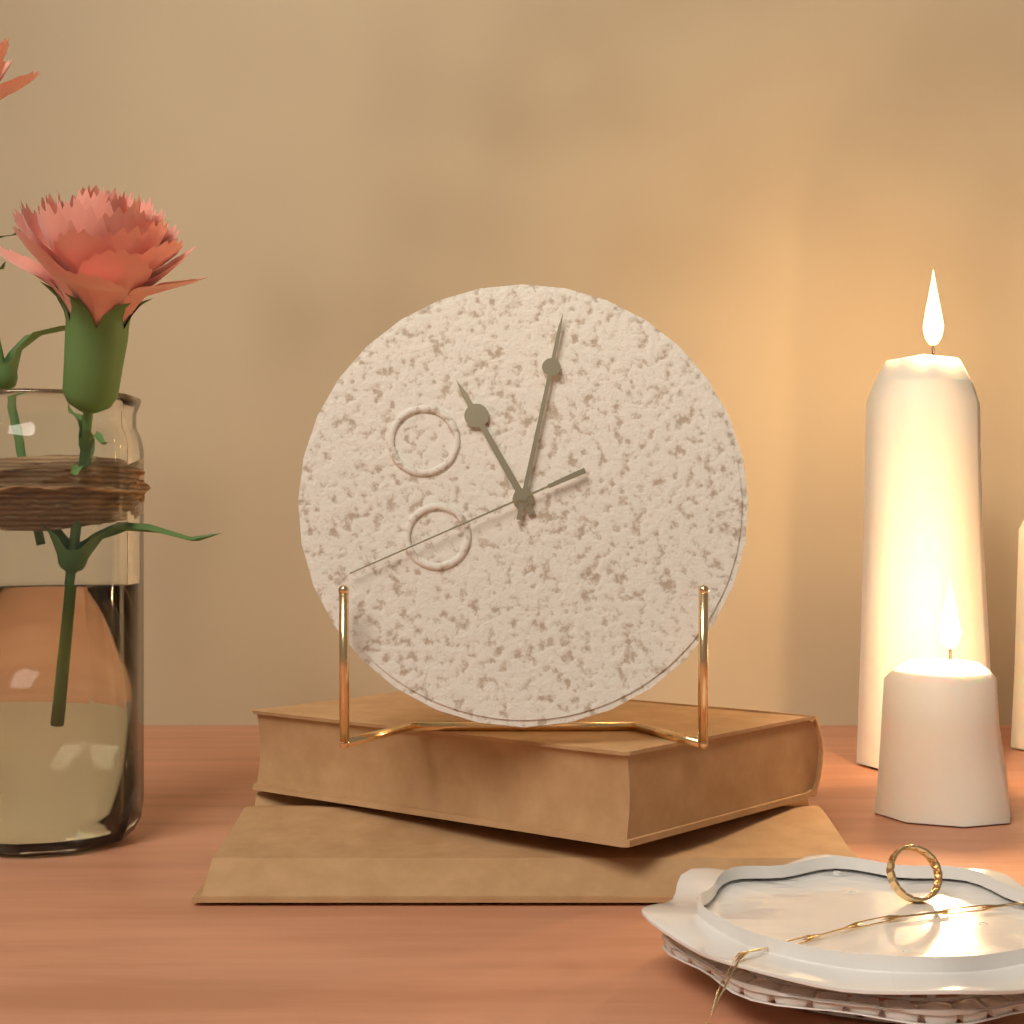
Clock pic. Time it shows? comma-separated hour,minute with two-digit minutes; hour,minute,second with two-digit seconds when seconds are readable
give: 11,02,41
